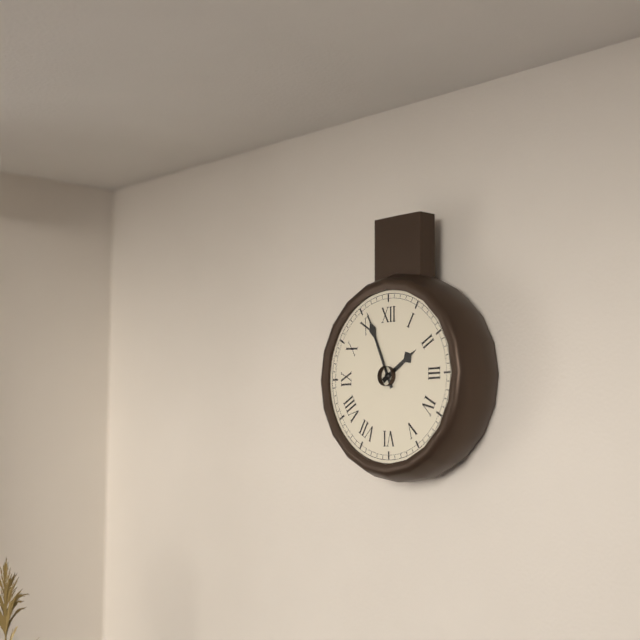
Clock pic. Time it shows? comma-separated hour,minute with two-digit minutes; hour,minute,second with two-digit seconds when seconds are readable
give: 1,56
